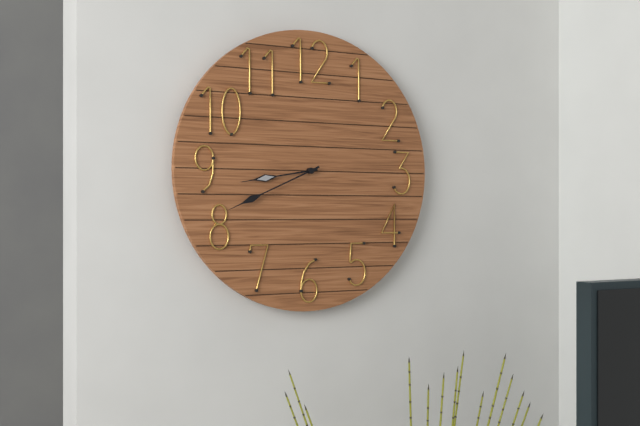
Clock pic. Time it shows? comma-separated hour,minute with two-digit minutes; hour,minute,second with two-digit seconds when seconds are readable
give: 8,41
